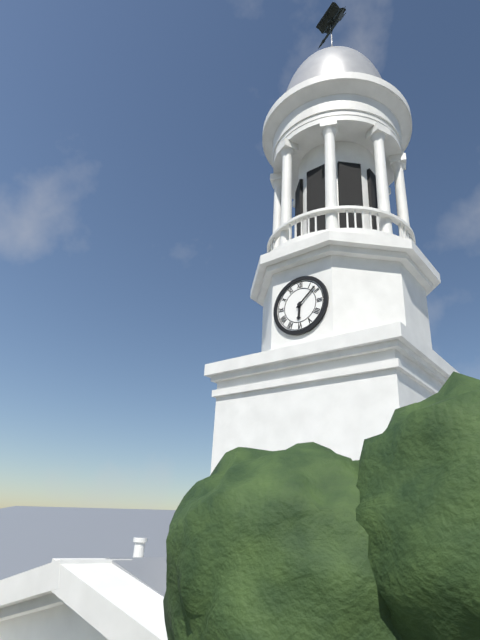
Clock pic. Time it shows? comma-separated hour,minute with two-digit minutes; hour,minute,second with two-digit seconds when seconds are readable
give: 6,08
